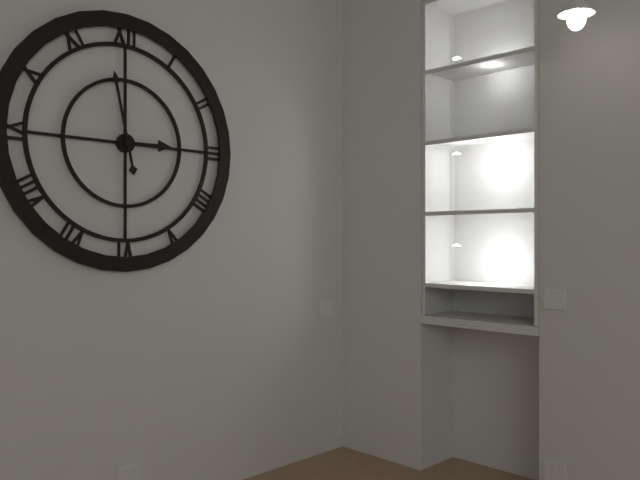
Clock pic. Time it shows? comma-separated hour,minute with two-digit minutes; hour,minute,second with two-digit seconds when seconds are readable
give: 2,58
